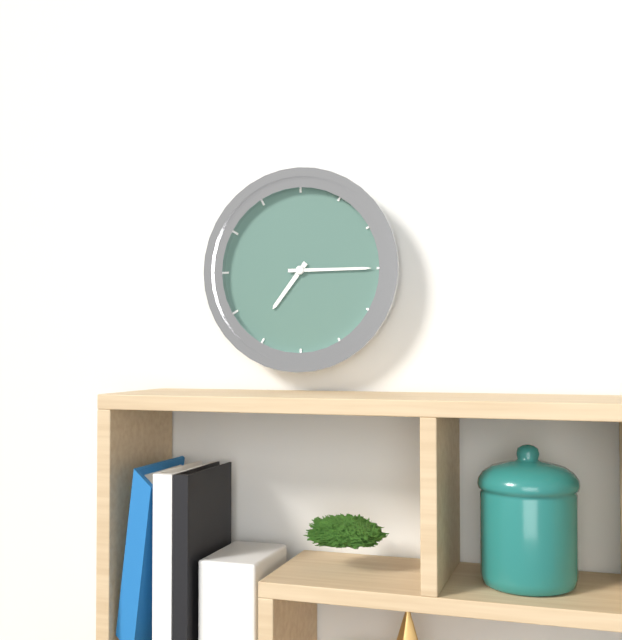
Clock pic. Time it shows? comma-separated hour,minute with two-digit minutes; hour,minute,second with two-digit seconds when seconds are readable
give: 7,15
